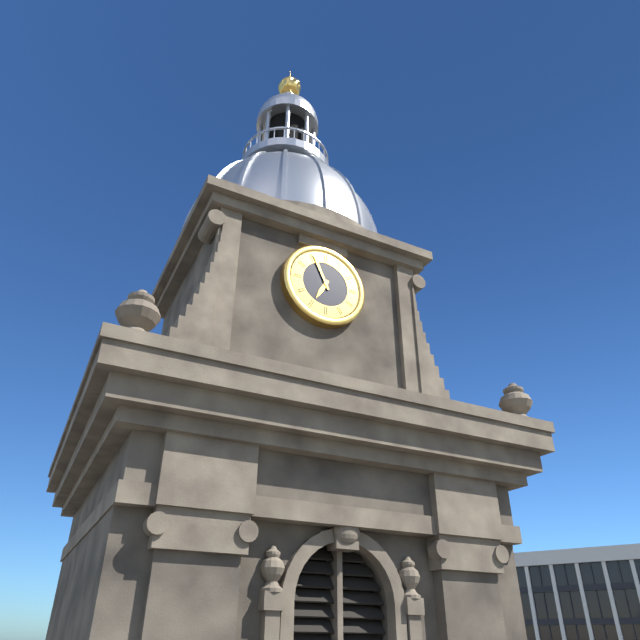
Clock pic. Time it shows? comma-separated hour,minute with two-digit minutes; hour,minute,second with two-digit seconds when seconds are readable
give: 6,56
